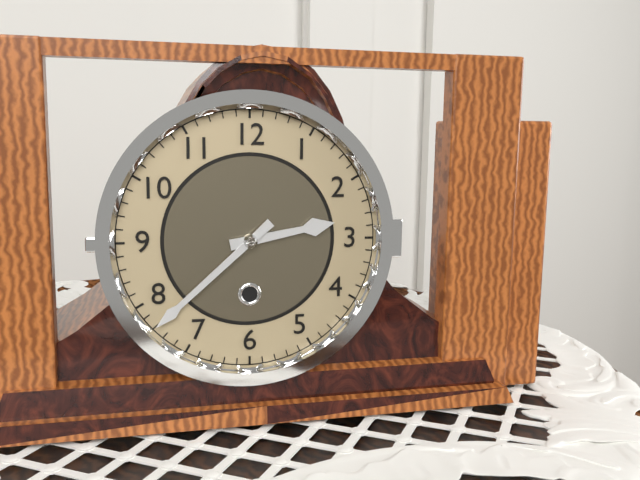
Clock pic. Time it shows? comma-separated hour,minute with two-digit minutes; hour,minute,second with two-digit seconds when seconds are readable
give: 2,38
